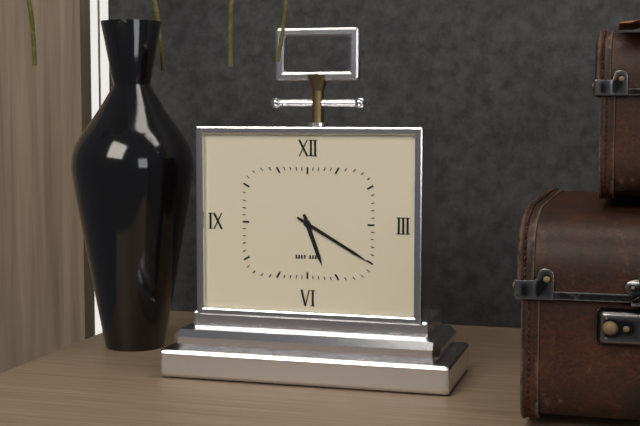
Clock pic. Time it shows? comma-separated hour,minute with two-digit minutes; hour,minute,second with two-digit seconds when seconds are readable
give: 5,20
